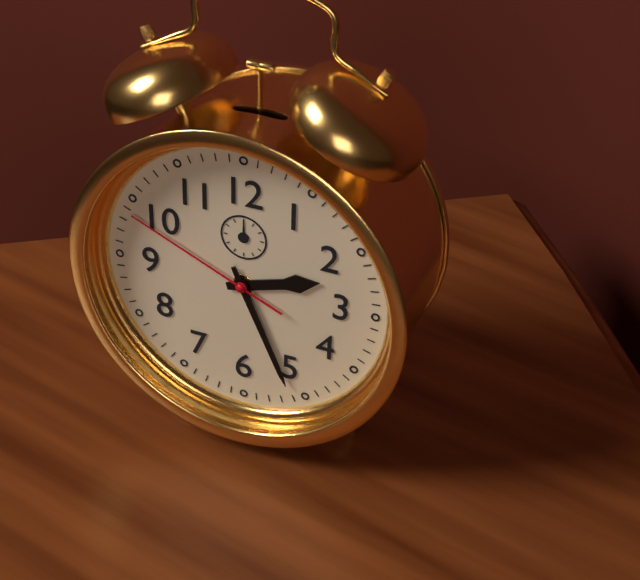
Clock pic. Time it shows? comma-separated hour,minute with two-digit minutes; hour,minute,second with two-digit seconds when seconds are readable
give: 2,26,49
